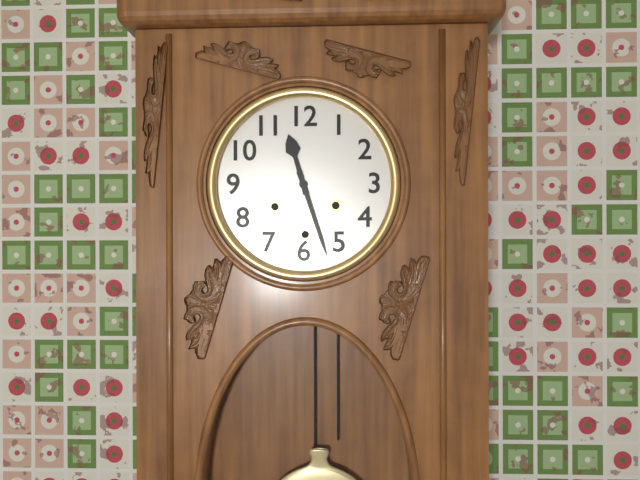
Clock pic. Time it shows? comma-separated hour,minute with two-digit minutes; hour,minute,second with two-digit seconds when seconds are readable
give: 11,27
